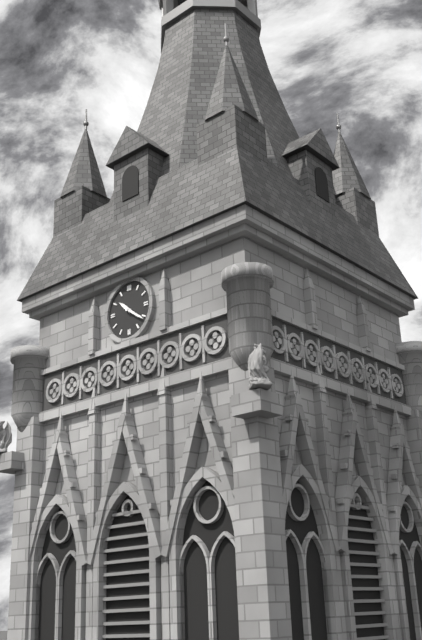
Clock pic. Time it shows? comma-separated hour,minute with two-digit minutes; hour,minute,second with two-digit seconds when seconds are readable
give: 10,21
